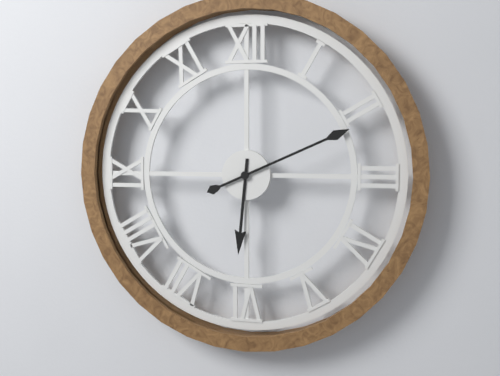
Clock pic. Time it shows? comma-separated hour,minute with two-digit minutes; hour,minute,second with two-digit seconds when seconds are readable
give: 6,11
